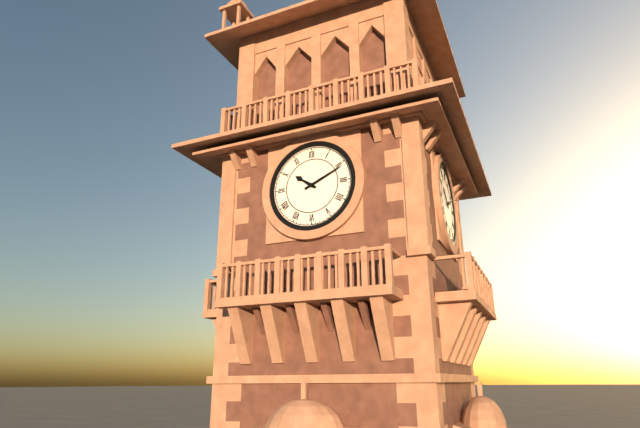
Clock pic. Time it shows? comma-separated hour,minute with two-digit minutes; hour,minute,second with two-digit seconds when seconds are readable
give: 10,11
